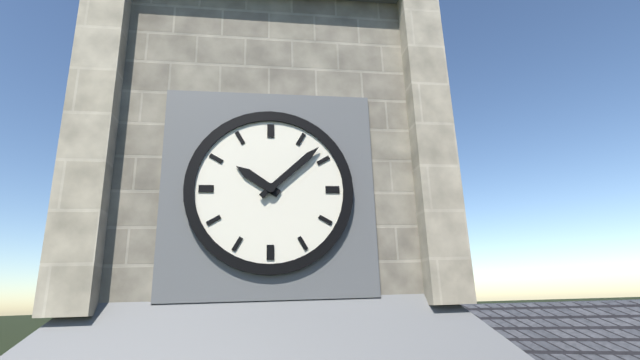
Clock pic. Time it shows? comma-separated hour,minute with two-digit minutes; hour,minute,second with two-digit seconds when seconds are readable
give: 10,08
